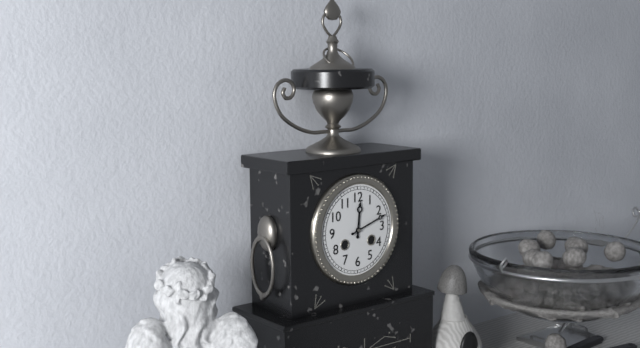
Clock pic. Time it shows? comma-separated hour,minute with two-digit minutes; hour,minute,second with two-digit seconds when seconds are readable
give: 12,12
